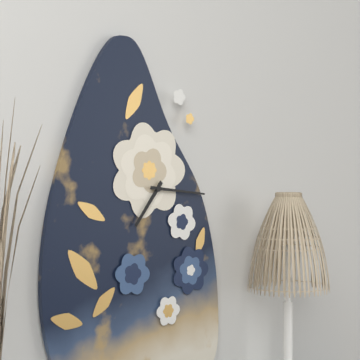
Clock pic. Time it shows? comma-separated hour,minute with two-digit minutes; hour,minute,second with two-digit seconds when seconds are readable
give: 7,16
